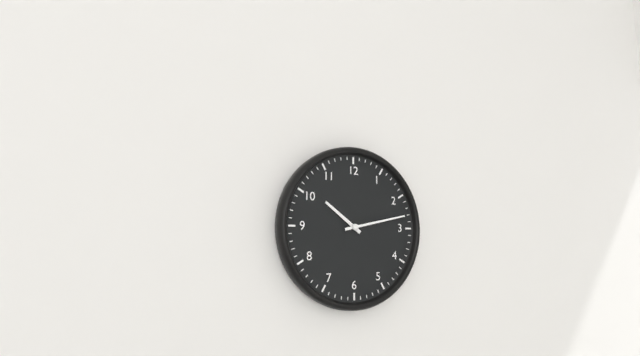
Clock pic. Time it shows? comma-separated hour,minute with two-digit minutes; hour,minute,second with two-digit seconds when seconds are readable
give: 10,13
